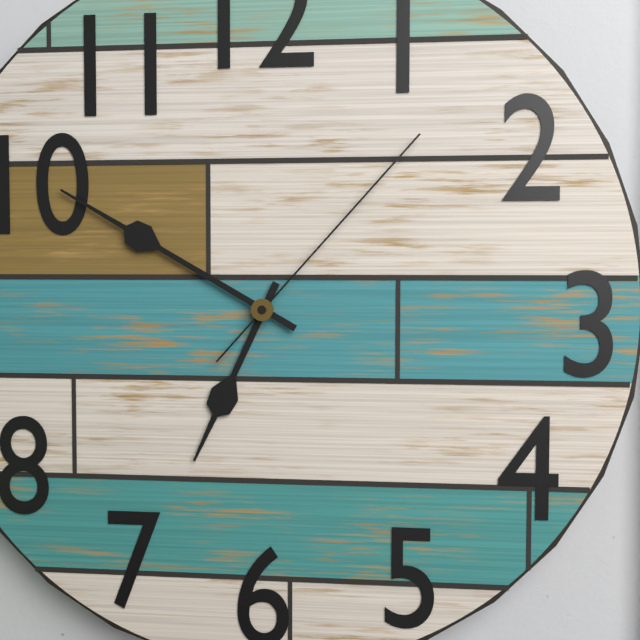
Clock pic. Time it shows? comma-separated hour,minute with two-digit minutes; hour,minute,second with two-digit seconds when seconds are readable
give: 6,50,07
